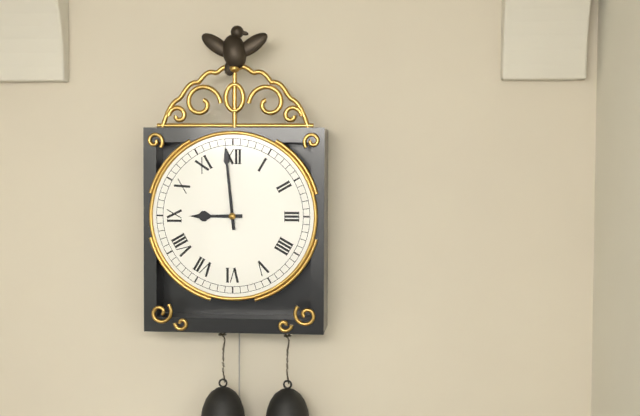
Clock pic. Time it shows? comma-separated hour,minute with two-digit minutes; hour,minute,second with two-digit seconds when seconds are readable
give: 8,59
